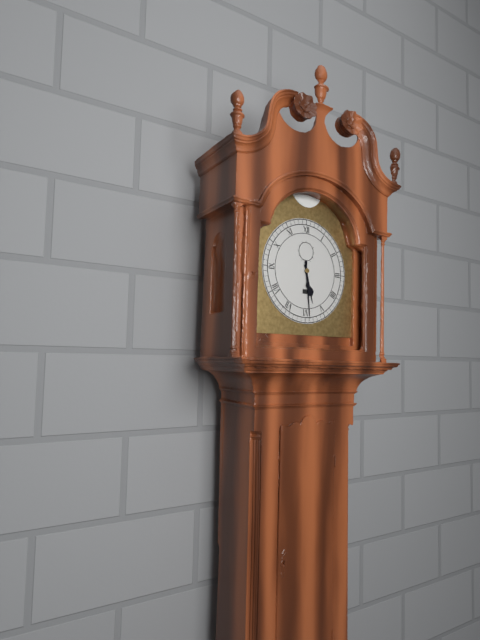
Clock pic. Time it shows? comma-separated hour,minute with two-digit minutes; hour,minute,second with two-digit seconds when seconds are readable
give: 5,29
